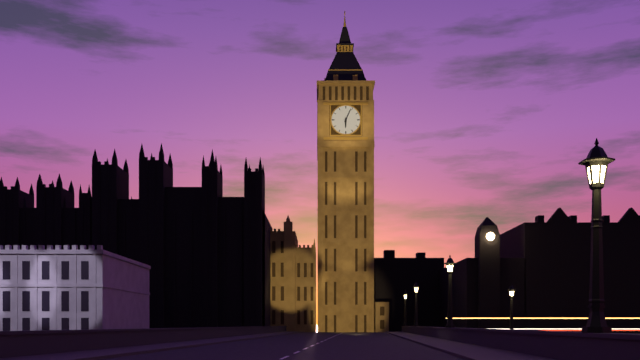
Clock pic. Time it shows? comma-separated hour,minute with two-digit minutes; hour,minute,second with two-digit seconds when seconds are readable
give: 6,04
